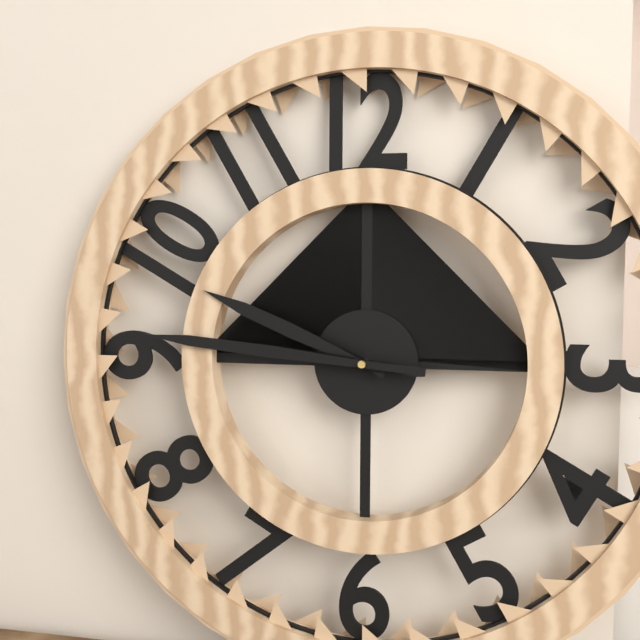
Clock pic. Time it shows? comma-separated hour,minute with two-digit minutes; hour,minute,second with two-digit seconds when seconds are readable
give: 9,46
